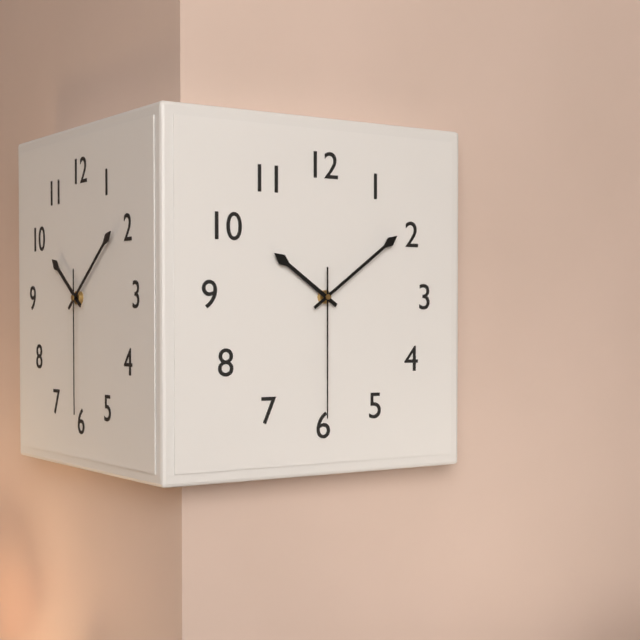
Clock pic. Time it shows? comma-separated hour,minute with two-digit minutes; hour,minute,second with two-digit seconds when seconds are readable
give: 10,09,30
